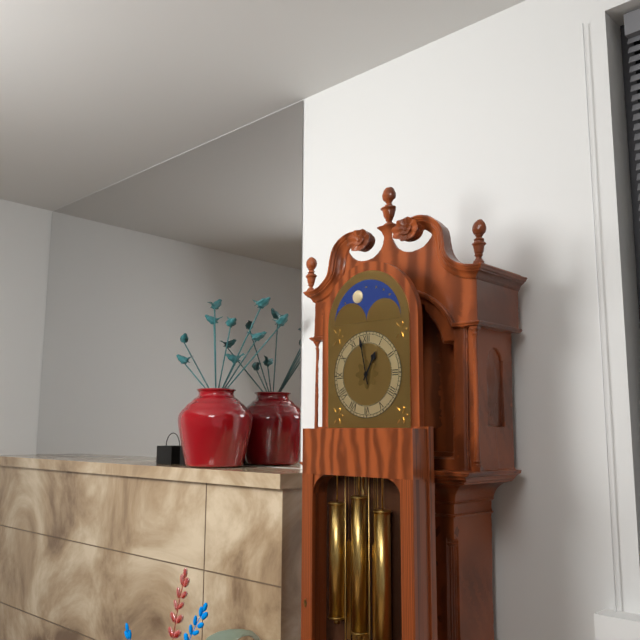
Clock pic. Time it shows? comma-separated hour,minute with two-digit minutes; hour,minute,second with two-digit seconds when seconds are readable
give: 12,58
